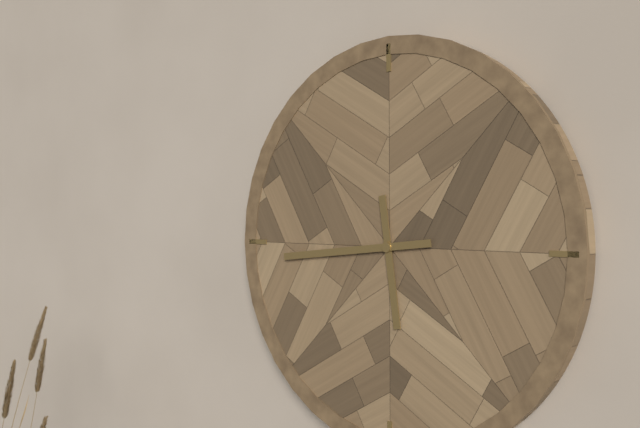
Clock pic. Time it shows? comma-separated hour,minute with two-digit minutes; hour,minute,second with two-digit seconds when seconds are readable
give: 5,44
